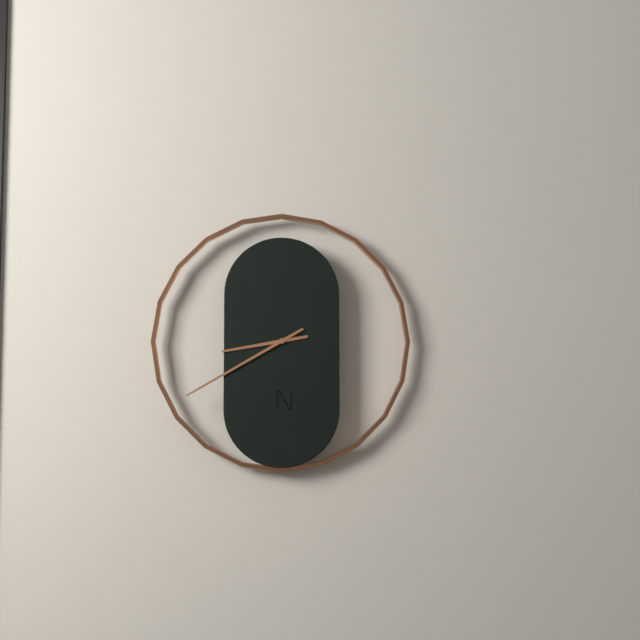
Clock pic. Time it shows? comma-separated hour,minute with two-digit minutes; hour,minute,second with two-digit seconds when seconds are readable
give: 8,40
